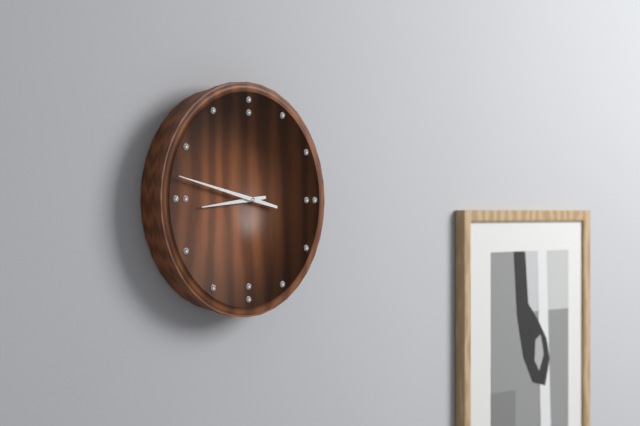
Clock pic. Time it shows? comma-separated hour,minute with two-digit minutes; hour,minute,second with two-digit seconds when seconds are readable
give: 8,47
